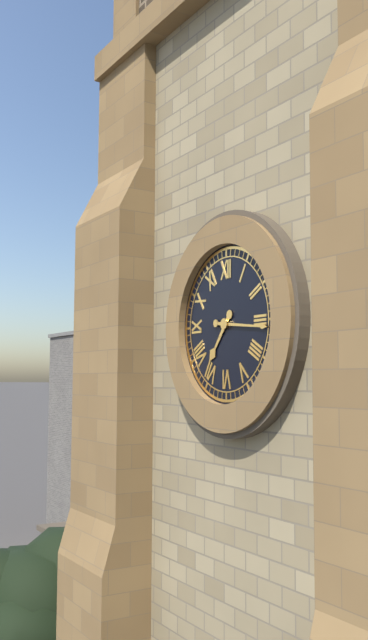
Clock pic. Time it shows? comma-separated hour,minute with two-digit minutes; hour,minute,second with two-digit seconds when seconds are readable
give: 7,16
